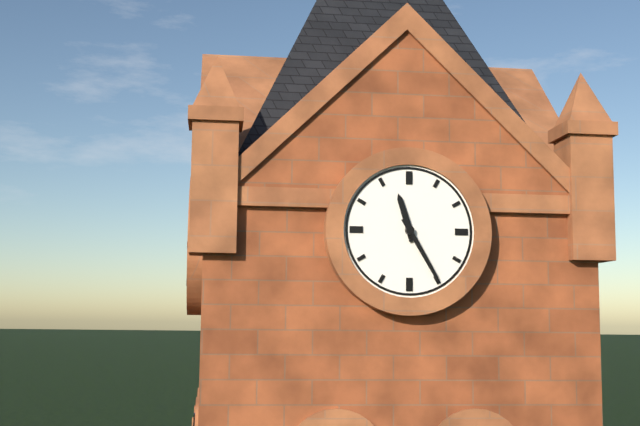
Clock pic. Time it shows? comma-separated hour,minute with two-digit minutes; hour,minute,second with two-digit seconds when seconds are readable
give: 11,25
